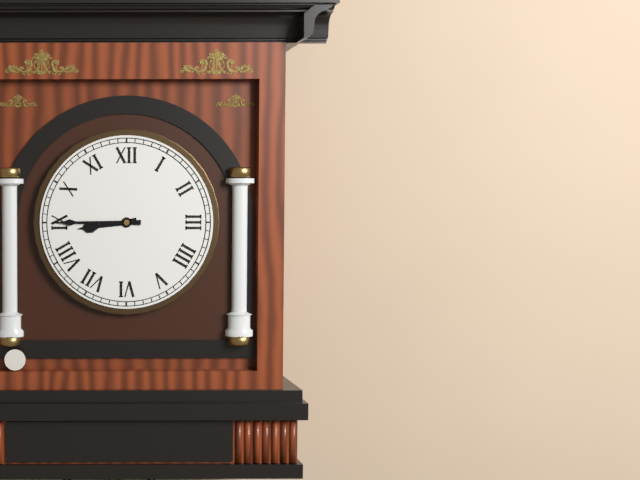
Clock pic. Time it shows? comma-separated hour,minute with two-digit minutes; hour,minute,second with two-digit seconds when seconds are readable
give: 8,45
